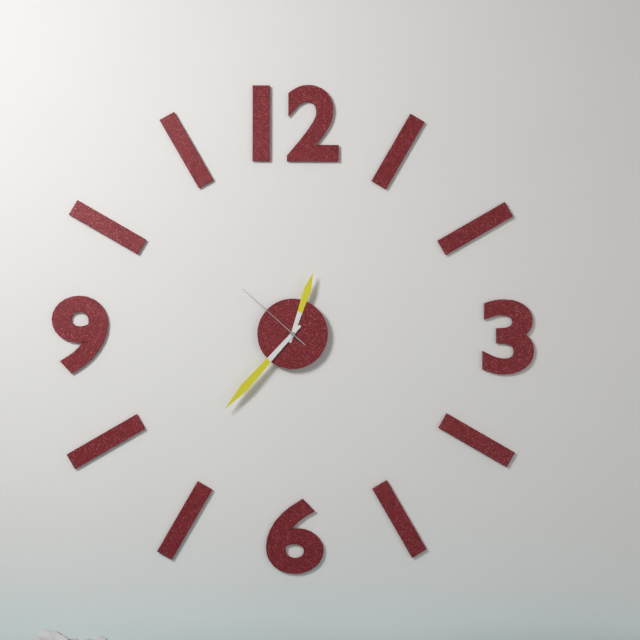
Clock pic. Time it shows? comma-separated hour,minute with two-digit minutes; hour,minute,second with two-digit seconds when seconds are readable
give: 12,37,52
